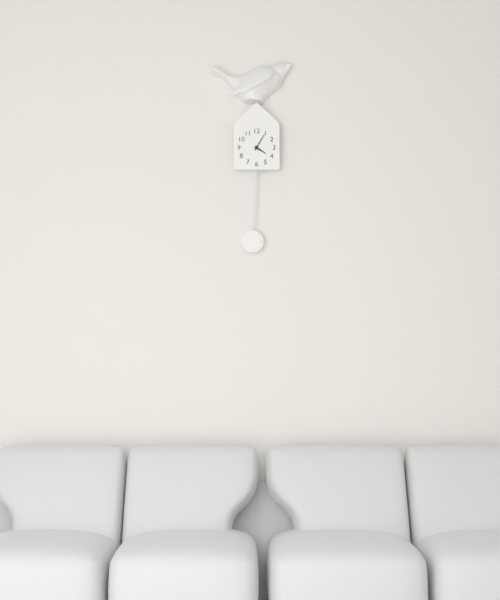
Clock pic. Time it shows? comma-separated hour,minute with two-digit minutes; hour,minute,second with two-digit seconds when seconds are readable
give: 4,05
